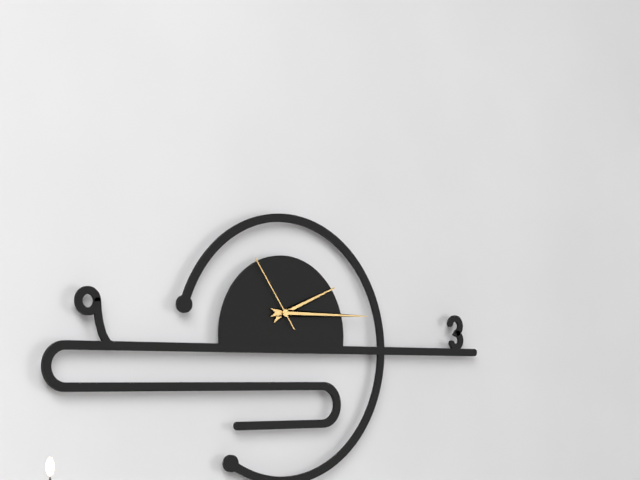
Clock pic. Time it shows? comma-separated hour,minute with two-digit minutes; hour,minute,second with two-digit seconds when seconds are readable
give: 2,15,54
